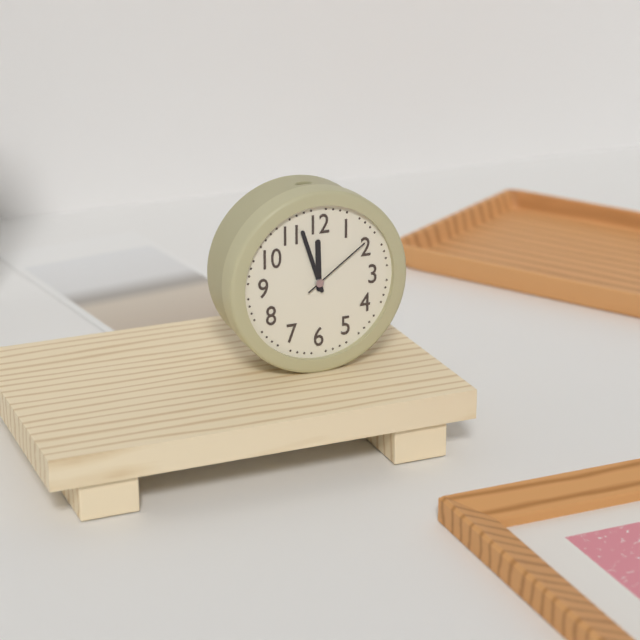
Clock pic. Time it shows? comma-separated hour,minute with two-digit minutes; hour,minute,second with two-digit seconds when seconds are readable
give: 11,57,09
